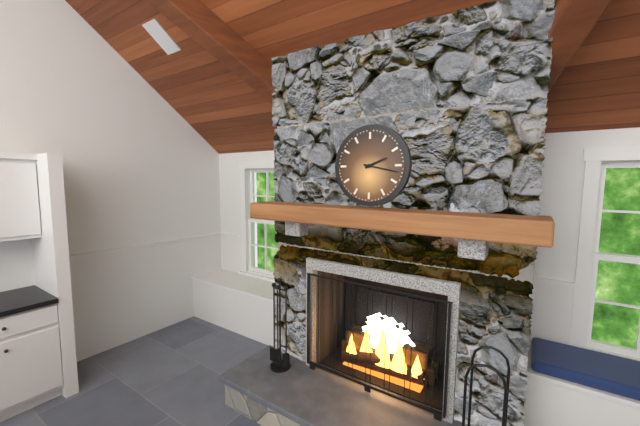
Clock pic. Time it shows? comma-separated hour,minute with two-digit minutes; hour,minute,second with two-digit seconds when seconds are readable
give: 2,17
